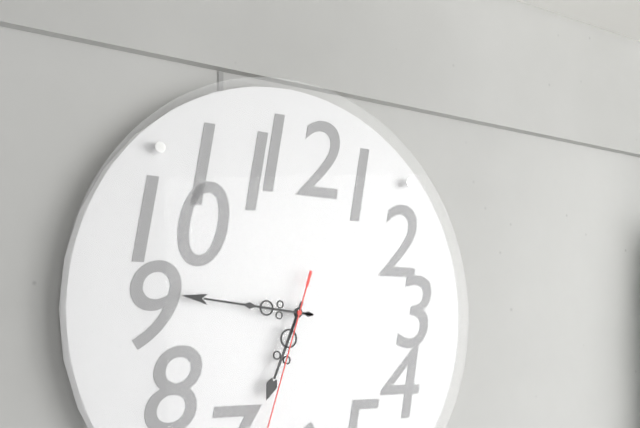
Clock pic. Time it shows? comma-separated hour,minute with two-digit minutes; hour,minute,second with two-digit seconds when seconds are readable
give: 6,46
